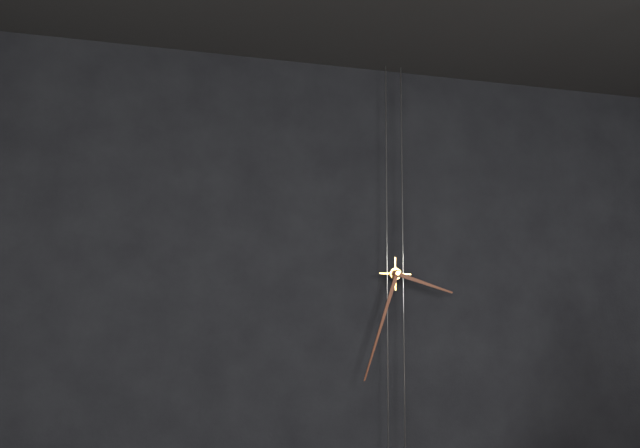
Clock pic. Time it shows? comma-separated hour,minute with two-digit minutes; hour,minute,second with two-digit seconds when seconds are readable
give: 3,33
